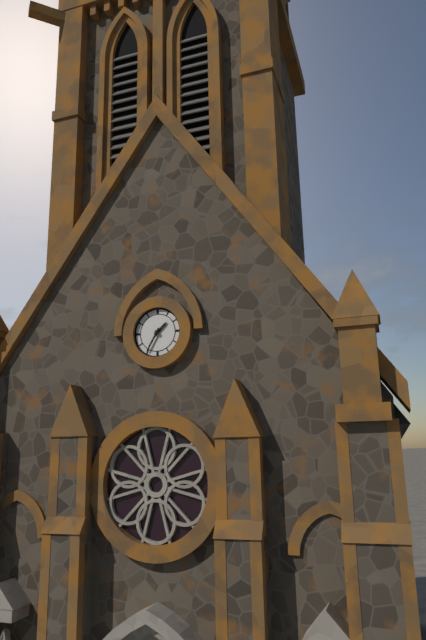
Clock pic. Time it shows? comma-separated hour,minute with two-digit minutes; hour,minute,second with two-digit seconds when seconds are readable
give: 1,35
